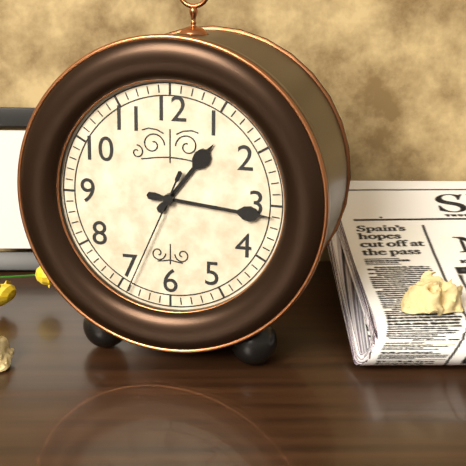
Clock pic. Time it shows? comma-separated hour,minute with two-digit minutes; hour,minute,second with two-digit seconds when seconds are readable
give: 1,16,34
